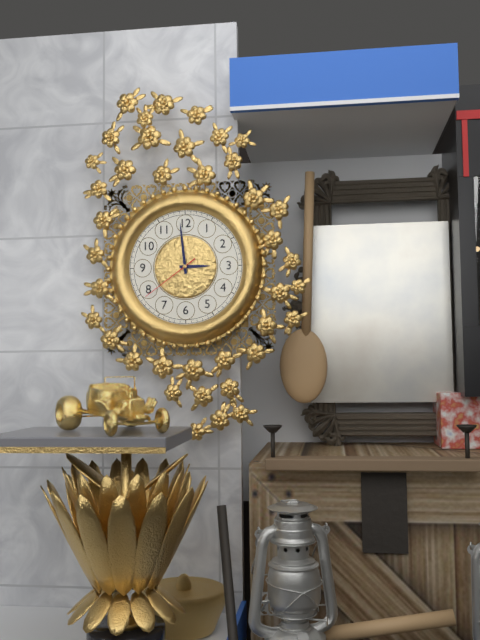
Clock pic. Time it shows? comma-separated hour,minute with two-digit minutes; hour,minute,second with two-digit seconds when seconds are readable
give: 2,59,39
